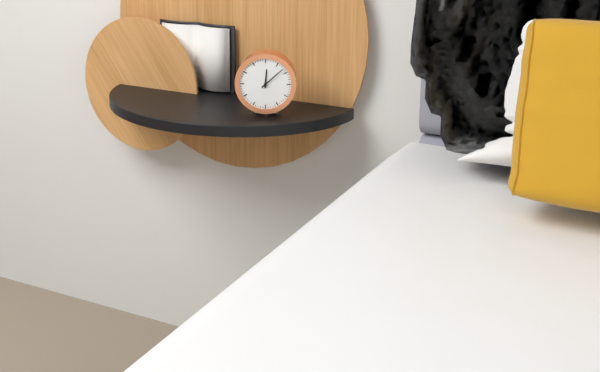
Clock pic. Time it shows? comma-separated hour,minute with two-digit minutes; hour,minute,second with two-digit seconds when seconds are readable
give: 12,08
